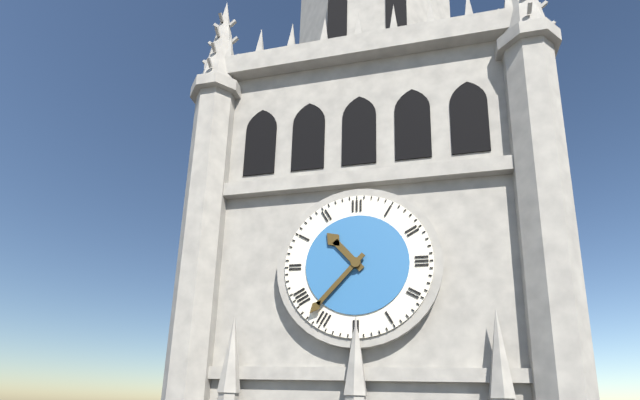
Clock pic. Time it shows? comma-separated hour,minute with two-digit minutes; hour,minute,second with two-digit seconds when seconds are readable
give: 10,37
